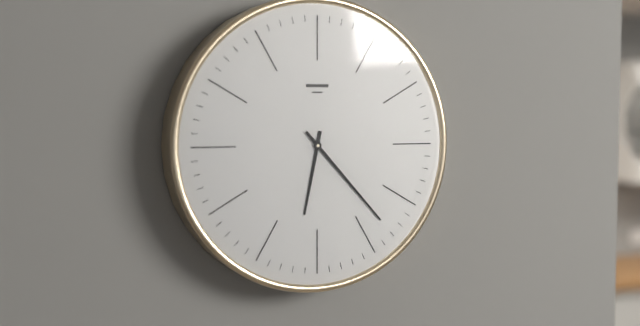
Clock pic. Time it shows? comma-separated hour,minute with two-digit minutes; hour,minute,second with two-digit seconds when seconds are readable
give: 6,23
